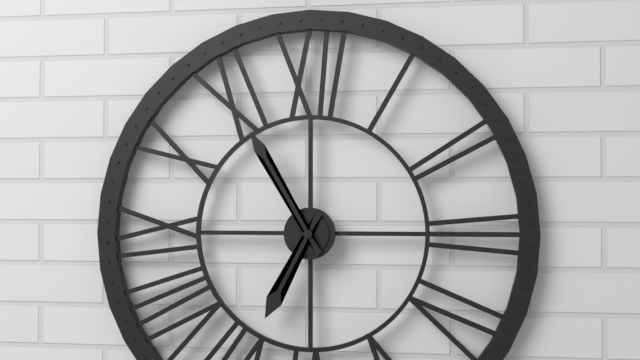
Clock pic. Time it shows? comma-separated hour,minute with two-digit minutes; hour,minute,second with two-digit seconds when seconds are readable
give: 6,55
